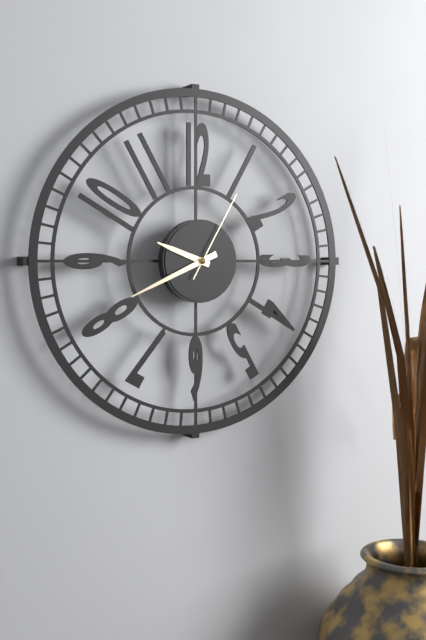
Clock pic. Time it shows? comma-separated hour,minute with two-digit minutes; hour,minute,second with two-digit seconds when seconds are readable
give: 9,41,05
